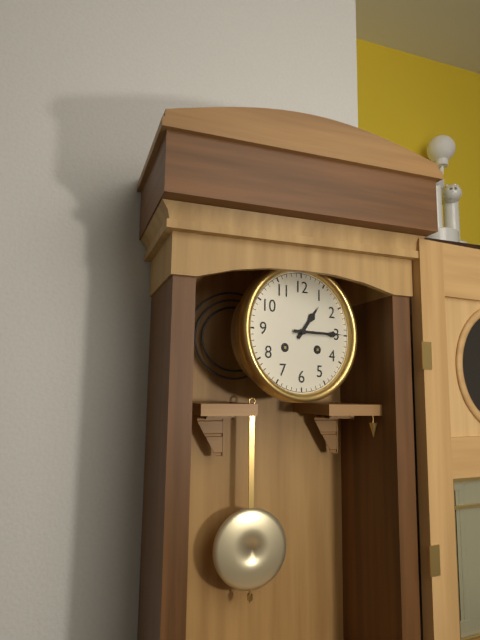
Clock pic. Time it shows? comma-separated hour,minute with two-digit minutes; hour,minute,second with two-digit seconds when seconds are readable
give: 1,15
